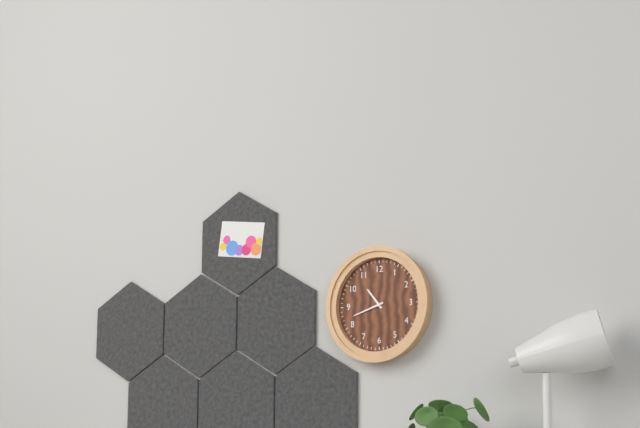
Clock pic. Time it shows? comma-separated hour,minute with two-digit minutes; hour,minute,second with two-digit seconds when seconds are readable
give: 10,42
